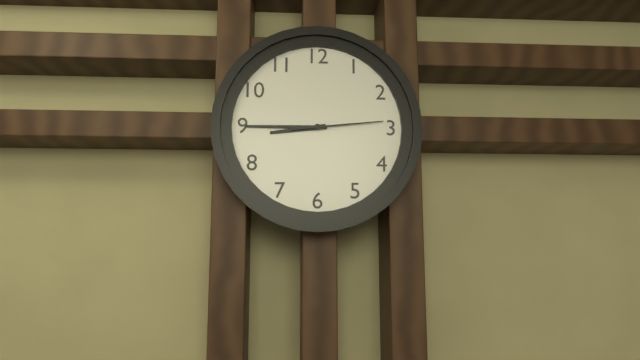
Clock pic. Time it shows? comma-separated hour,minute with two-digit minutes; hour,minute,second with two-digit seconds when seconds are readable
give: 8,45,14
